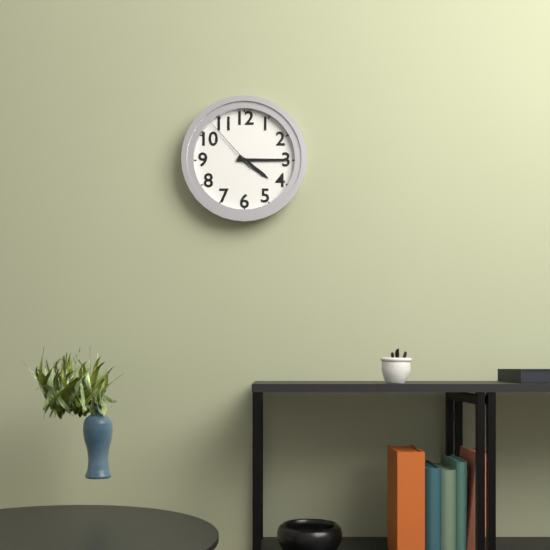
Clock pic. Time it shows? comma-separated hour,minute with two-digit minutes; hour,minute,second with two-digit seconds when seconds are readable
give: 4,15,53
